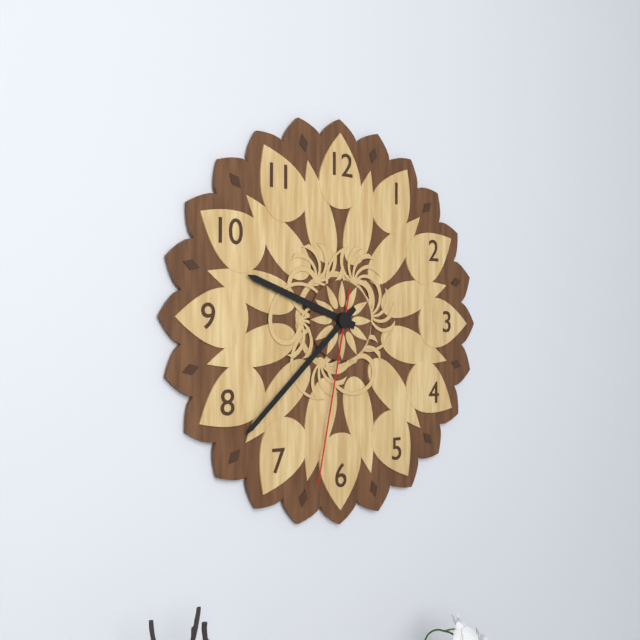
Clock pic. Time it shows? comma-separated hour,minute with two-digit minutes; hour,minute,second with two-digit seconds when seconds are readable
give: 9,38,32
